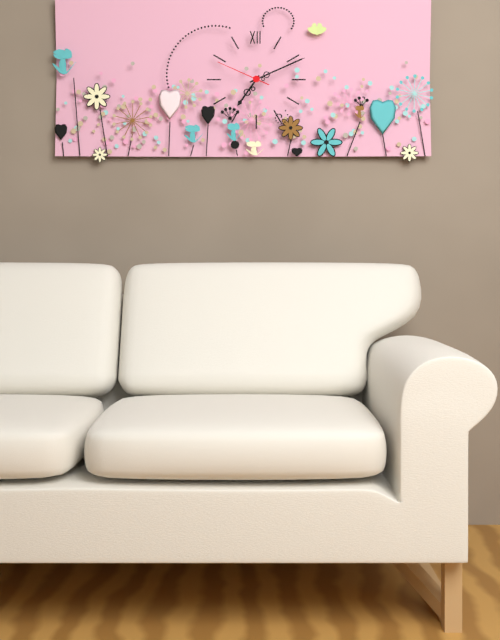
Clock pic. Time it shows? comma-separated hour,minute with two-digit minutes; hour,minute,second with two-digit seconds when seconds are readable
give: 7,11,49
